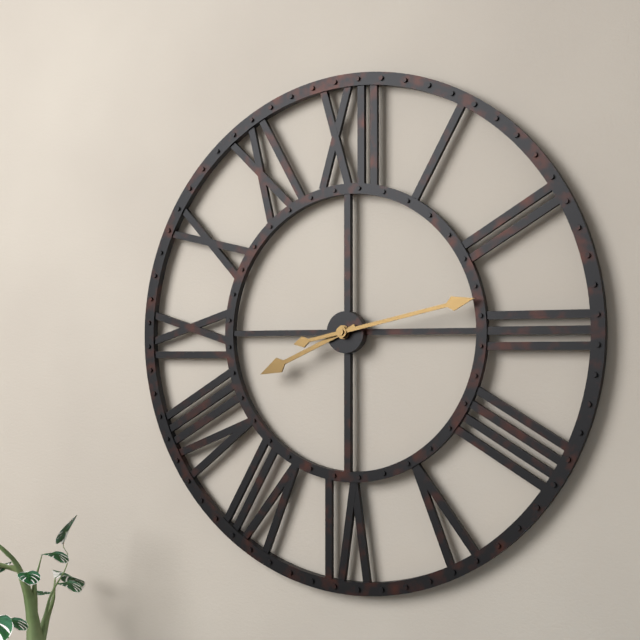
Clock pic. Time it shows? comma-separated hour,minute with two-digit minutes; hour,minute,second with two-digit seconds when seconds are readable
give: 8,13
